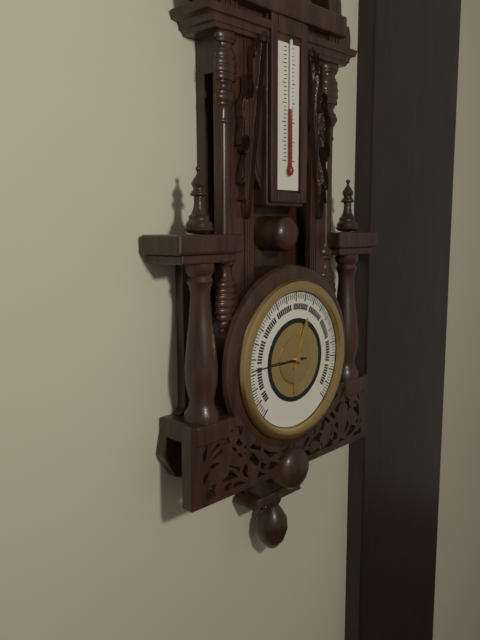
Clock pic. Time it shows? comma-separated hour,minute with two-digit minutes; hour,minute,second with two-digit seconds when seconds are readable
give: 12,45
